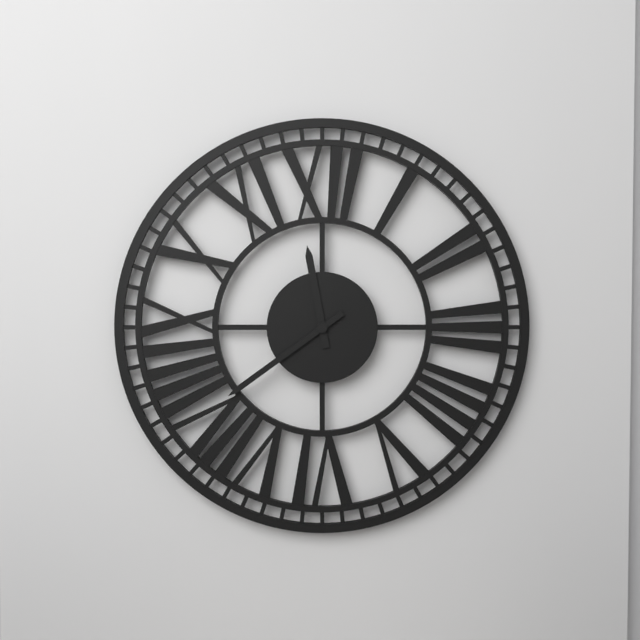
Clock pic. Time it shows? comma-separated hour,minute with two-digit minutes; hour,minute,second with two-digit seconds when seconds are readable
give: 11,39
